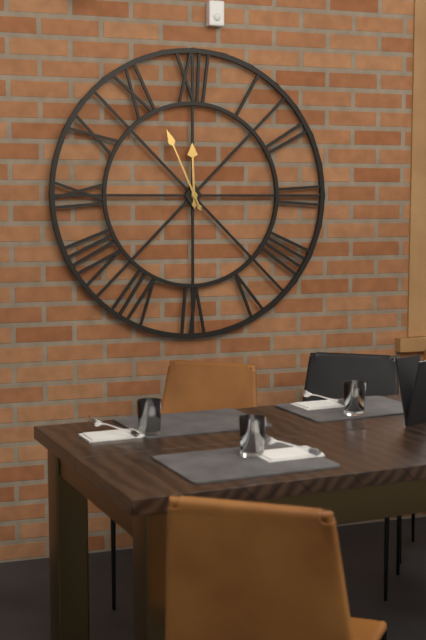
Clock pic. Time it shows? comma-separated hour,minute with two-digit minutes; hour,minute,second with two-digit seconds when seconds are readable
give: 11,56
